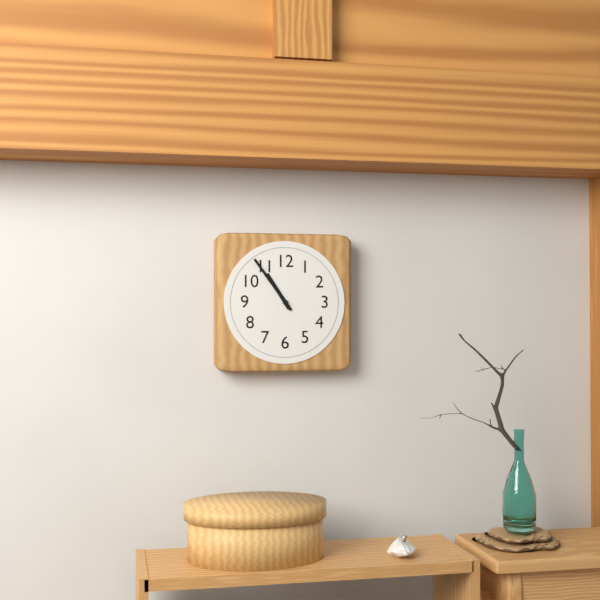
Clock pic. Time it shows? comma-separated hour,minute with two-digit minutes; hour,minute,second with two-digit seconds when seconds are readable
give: 10,54
